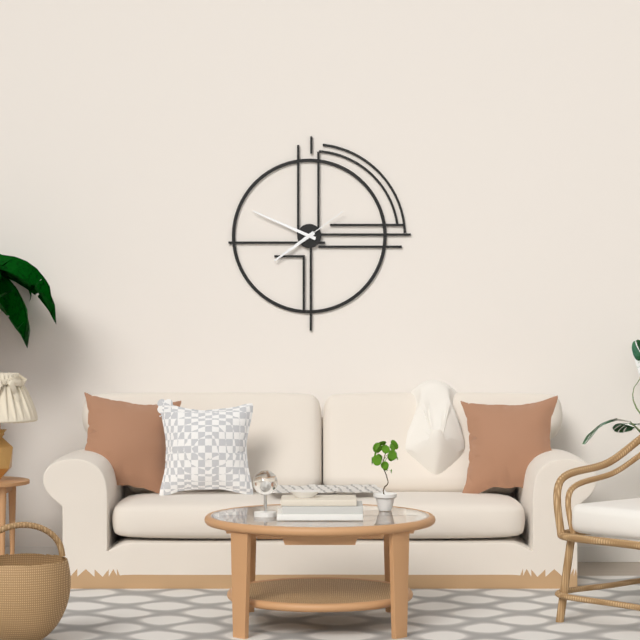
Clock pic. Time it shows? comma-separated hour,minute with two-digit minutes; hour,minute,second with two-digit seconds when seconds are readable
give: 7,49,09
